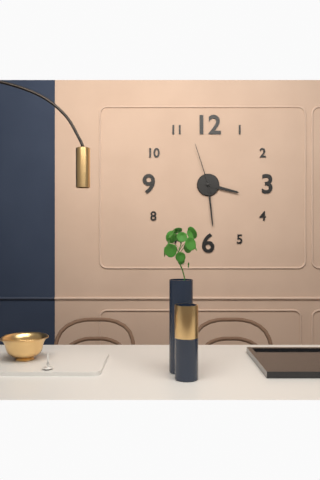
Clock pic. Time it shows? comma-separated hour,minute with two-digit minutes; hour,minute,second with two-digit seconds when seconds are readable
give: 3,29,57
